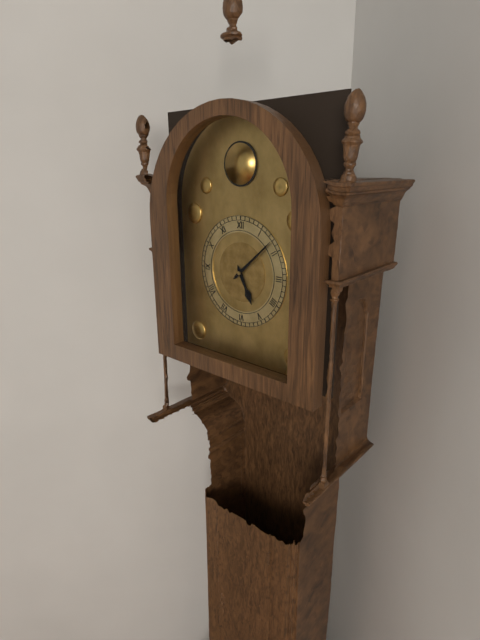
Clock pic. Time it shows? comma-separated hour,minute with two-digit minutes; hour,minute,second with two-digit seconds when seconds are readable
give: 5,08
